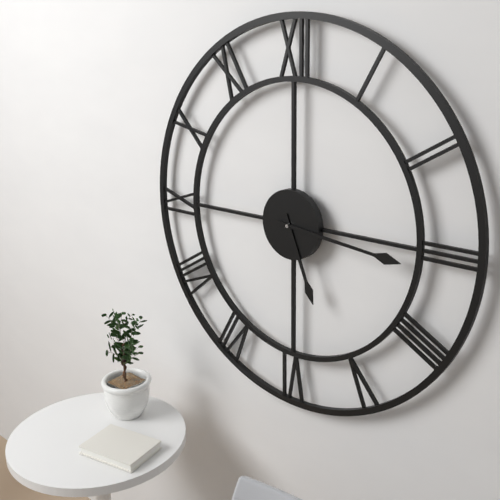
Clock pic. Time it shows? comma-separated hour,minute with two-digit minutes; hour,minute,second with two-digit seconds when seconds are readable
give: 5,16
